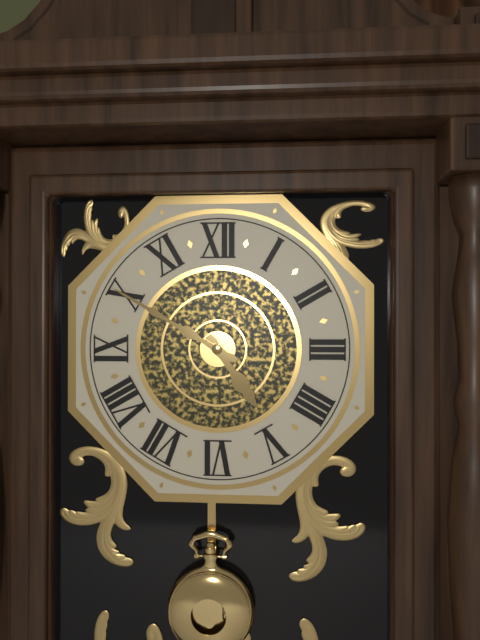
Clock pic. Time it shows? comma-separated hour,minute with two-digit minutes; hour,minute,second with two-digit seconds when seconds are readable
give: 4,50
